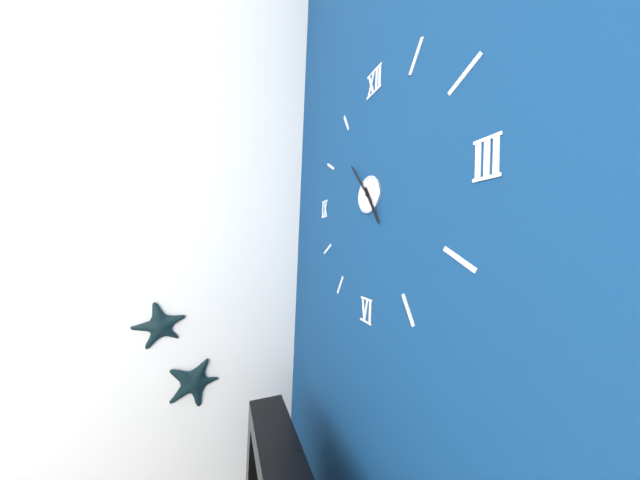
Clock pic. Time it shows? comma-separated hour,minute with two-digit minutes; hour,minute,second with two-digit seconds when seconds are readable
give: 4,53
